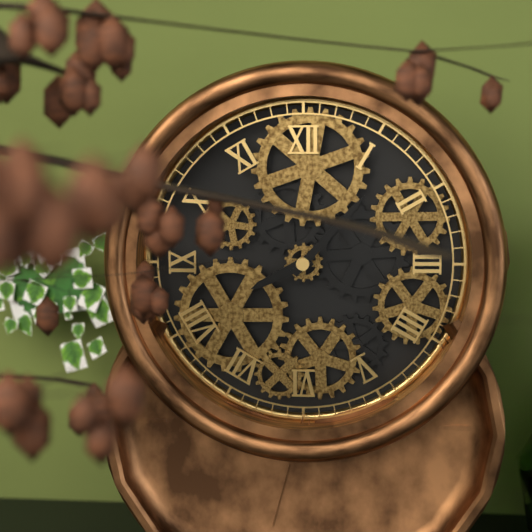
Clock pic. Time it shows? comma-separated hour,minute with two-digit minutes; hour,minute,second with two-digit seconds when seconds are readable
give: 8,07
